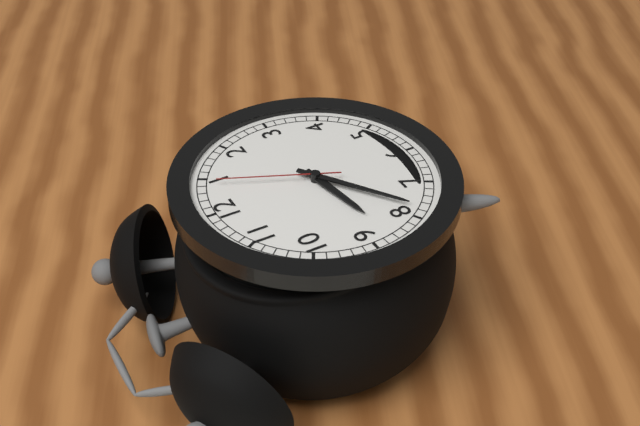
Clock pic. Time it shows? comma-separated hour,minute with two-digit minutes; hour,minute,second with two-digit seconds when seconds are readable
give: 8,39,04
